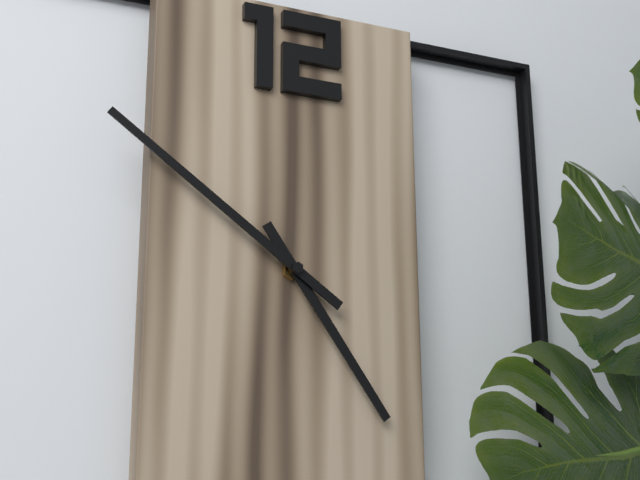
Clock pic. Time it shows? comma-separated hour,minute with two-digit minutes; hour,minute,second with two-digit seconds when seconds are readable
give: 4,51
